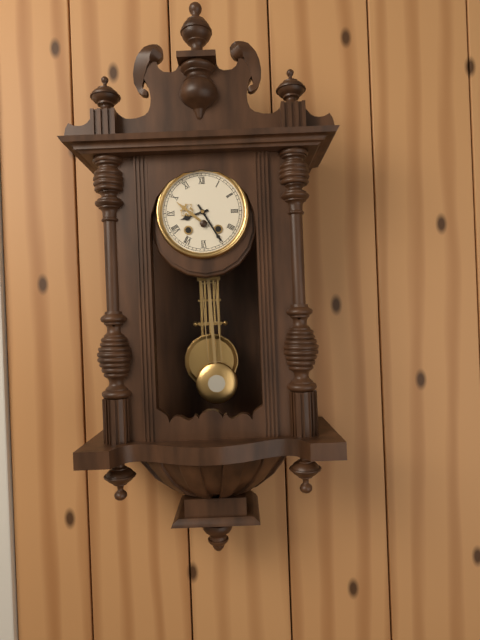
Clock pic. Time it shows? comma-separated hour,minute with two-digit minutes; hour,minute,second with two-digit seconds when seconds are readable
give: 8,25
